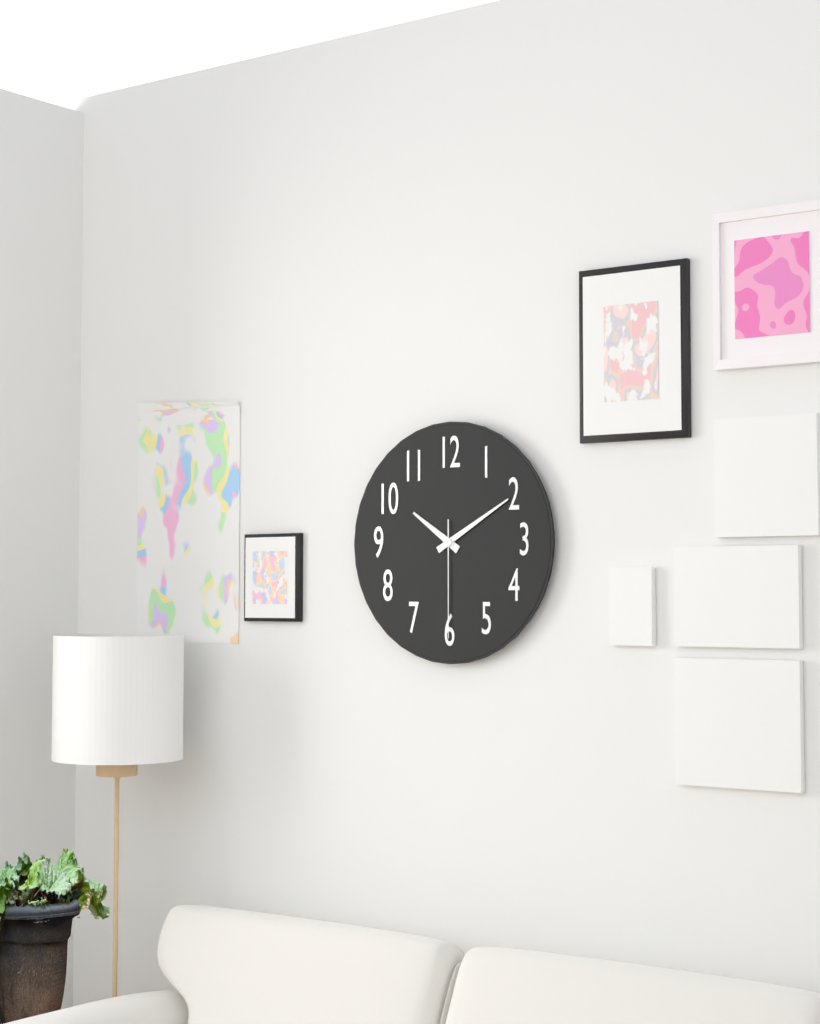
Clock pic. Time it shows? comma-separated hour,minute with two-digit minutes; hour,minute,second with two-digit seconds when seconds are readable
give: 10,10,30
